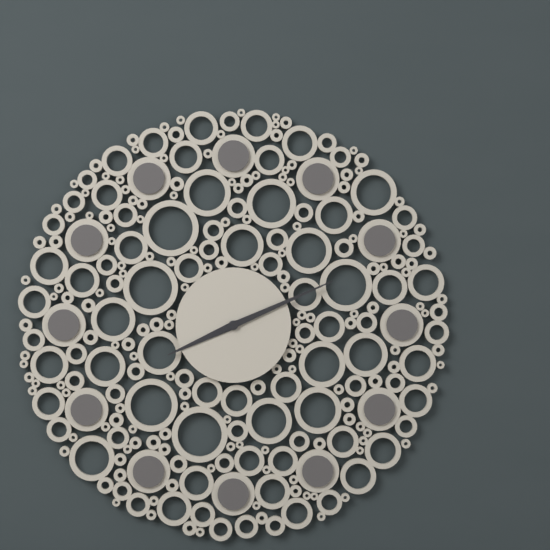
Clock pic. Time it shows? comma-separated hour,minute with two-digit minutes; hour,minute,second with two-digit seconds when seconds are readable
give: 8,11
